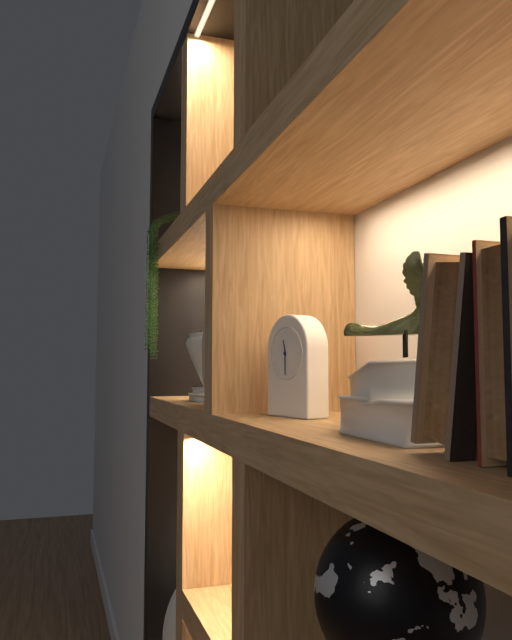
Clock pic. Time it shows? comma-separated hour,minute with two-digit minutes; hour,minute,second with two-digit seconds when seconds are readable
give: 11,30
